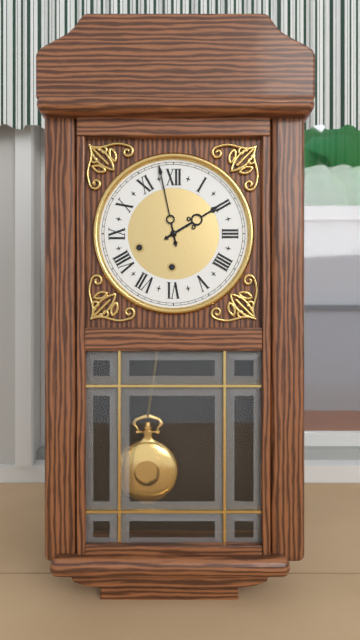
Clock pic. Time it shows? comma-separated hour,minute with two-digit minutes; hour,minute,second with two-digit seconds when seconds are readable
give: 1,58
